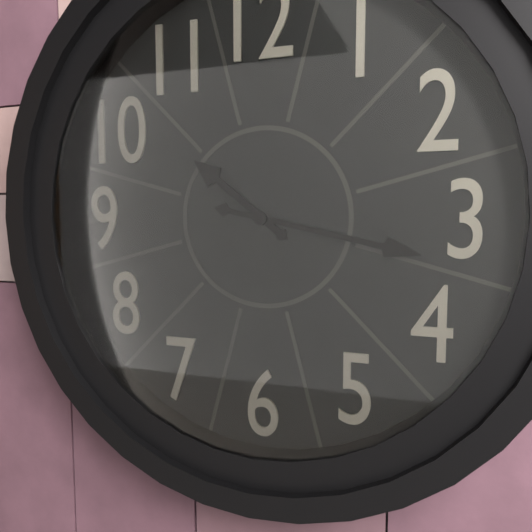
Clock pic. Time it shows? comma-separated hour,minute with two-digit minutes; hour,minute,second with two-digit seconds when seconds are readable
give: 10,17
